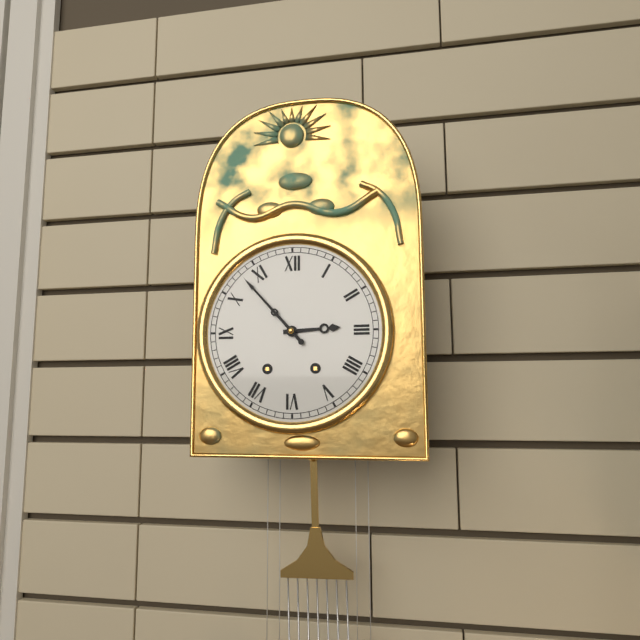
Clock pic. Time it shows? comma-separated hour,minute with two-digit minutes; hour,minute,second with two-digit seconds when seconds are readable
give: 2,53
